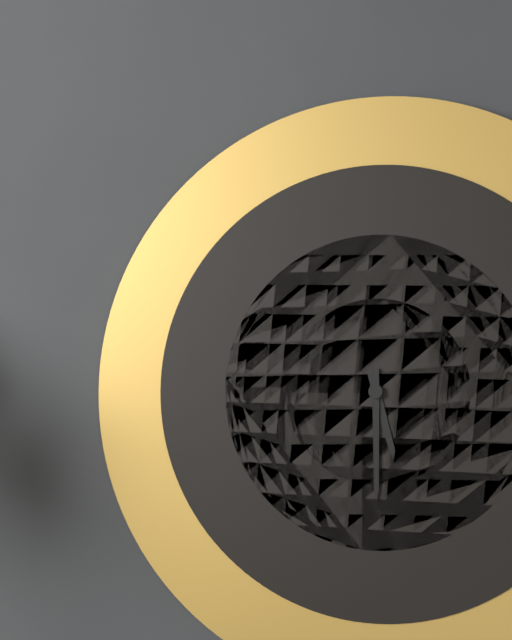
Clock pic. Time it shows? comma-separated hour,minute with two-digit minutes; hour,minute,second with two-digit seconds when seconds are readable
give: 5,30
